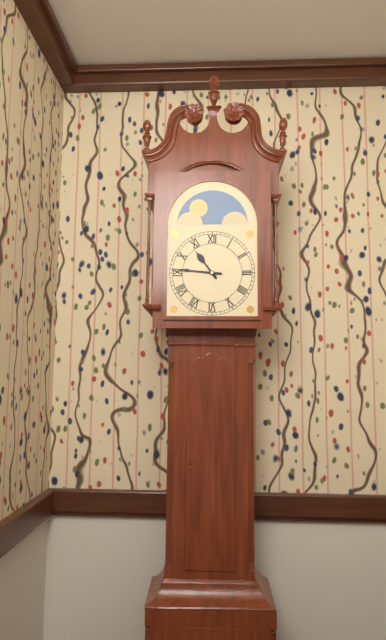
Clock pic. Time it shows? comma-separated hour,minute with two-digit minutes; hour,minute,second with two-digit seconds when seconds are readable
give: 10,46
